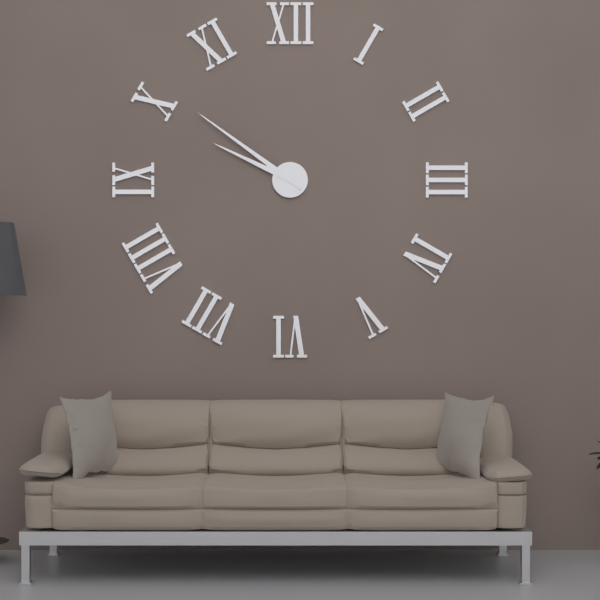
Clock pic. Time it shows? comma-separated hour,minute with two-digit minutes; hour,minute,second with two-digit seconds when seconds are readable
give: 9,51
